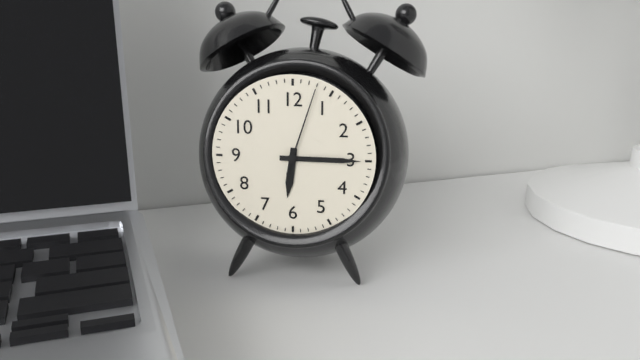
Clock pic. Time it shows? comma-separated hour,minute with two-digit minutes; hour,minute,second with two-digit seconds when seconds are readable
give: 6,15,03
